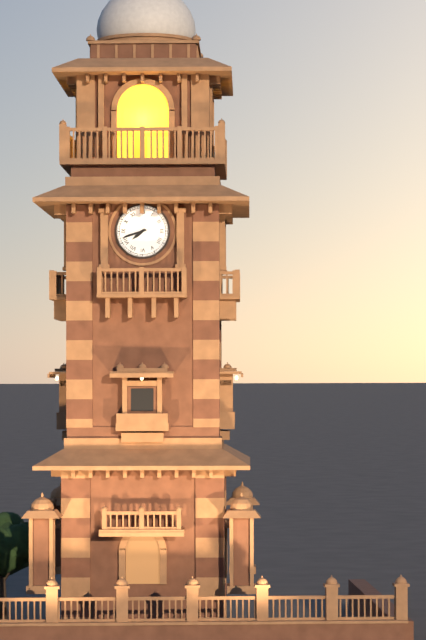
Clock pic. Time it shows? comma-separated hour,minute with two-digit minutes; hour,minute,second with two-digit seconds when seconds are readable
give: 7,42
